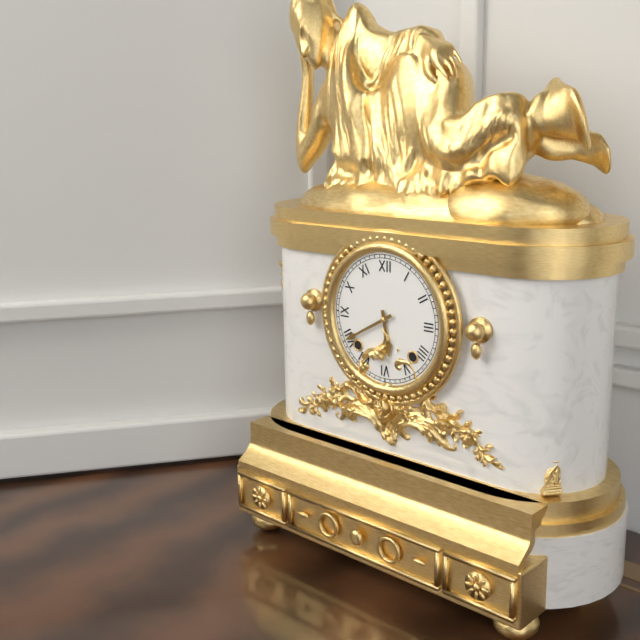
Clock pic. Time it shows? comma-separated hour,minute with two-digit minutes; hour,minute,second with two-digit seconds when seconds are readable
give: 5,40
